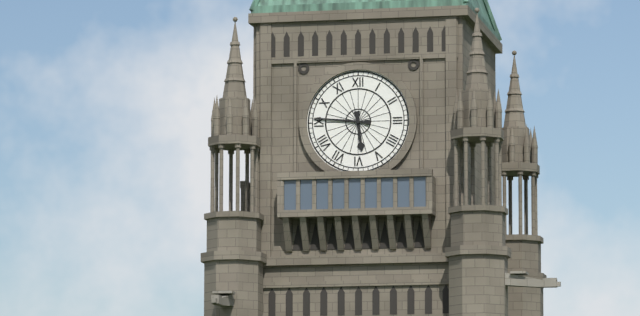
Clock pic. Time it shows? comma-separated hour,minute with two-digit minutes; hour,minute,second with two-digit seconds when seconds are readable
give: 5,46
